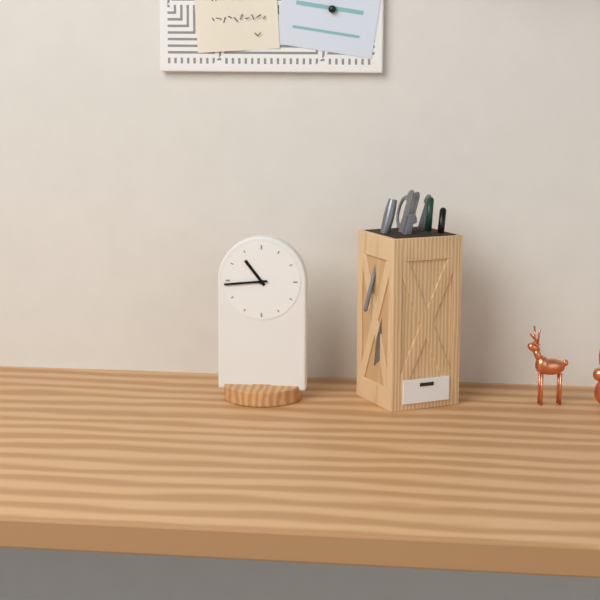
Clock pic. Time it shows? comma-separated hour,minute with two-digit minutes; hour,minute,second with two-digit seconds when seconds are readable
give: 10,44
